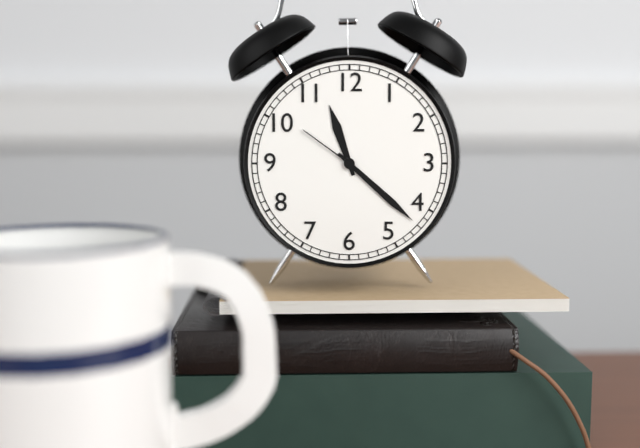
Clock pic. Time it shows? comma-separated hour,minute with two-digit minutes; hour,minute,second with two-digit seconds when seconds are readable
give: 11,22,51
